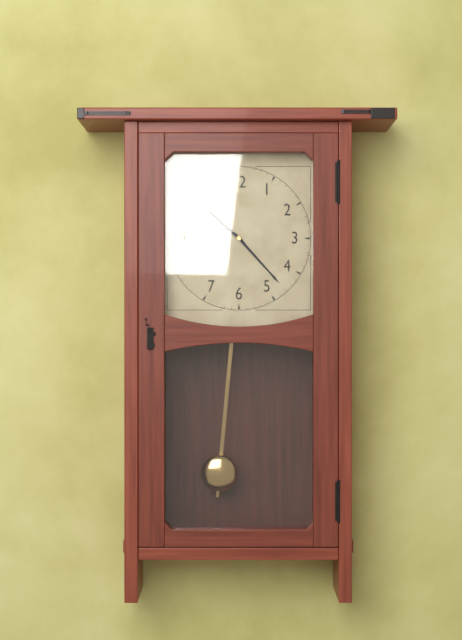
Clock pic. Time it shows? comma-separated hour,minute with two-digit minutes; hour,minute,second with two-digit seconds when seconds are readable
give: 10,23
